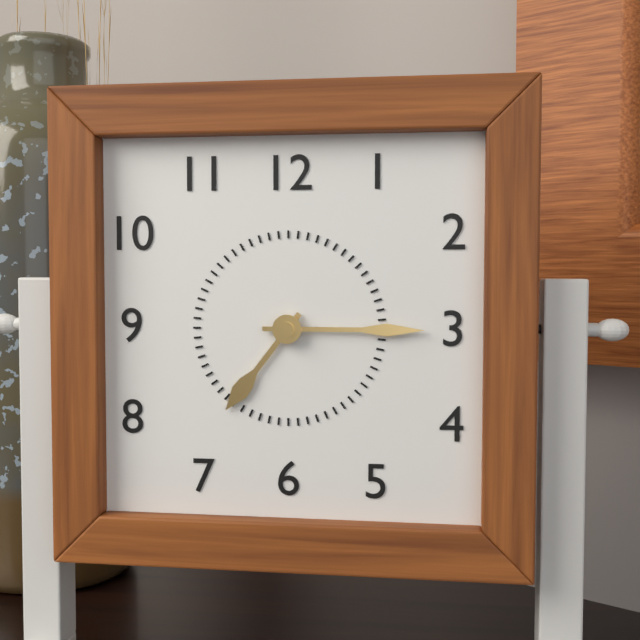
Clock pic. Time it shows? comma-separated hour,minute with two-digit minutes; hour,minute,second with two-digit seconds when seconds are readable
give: 7,15
